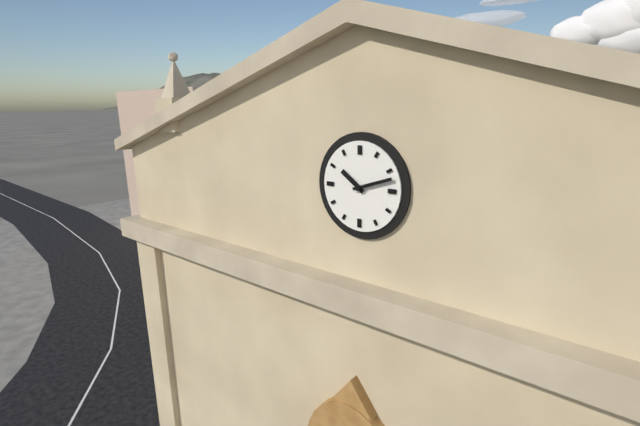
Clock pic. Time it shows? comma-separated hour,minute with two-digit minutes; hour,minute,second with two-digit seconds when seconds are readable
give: 10,12
